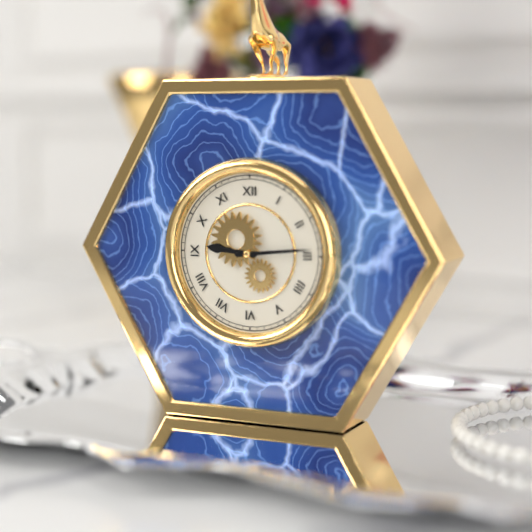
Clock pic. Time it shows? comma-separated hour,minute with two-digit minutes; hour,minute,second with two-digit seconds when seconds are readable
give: 9,14
